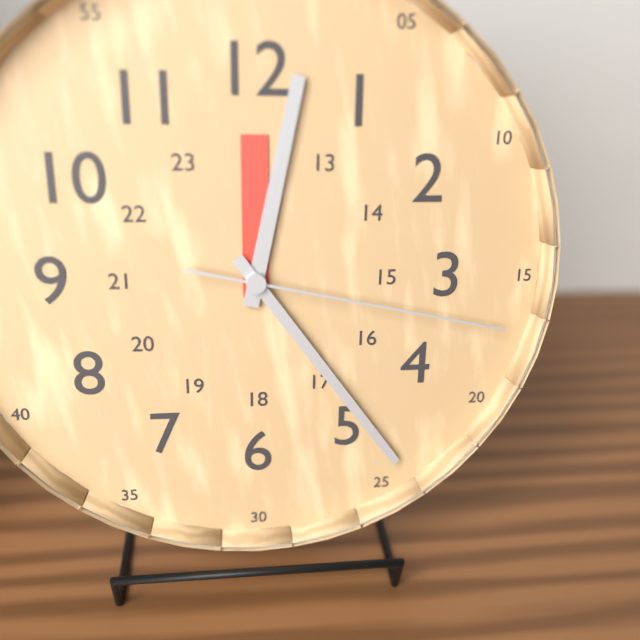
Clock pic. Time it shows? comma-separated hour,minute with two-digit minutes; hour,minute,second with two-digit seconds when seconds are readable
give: 12,24,17
